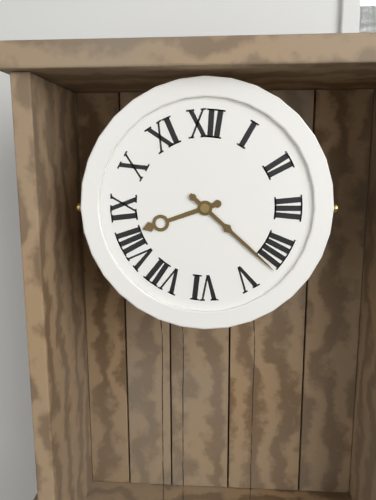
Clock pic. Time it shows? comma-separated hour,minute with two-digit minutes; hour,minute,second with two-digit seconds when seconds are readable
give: 8,22
